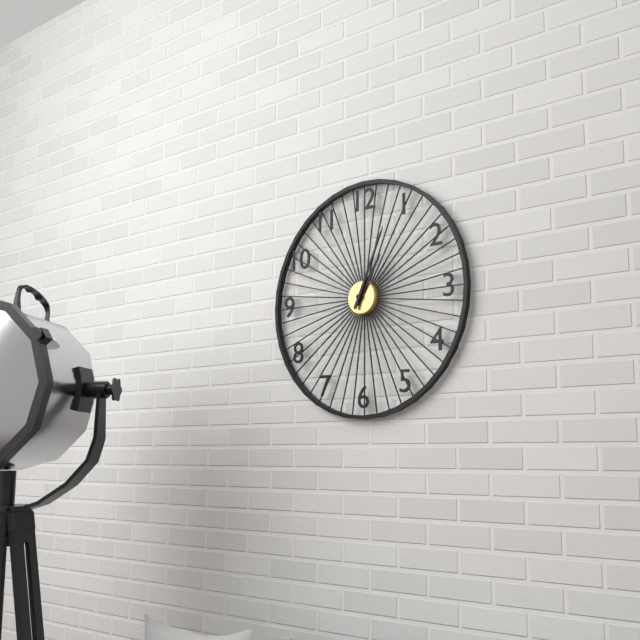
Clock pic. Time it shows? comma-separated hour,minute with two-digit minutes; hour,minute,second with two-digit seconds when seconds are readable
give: 1,04
